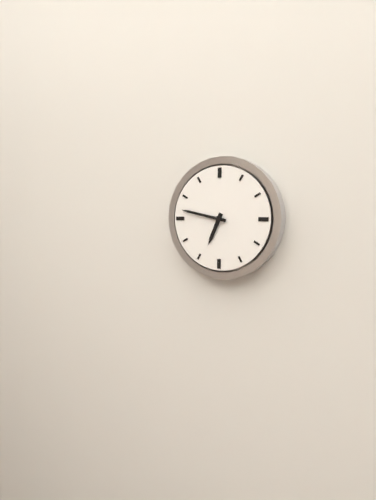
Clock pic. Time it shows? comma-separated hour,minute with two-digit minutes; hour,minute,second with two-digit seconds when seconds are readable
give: 6,47
